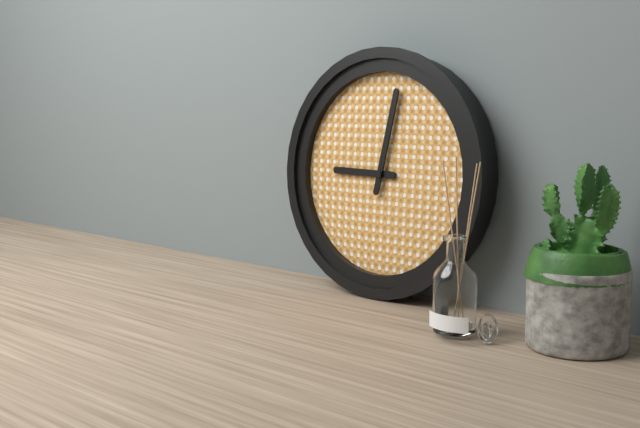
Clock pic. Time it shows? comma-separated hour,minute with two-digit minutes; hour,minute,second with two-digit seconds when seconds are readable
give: 9,02
